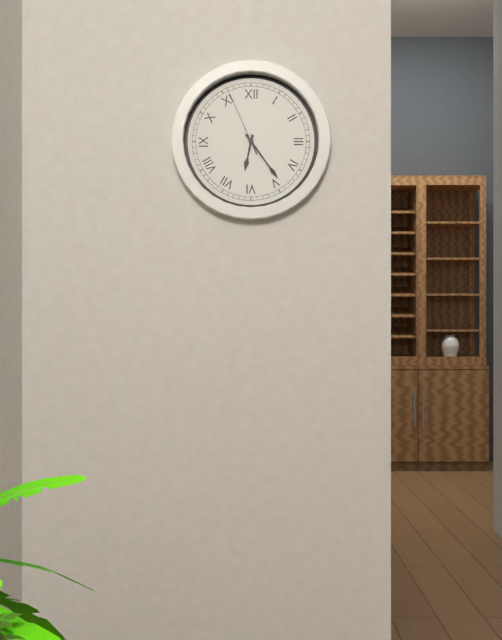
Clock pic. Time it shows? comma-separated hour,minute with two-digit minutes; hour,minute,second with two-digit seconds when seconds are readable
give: 6,24,56
